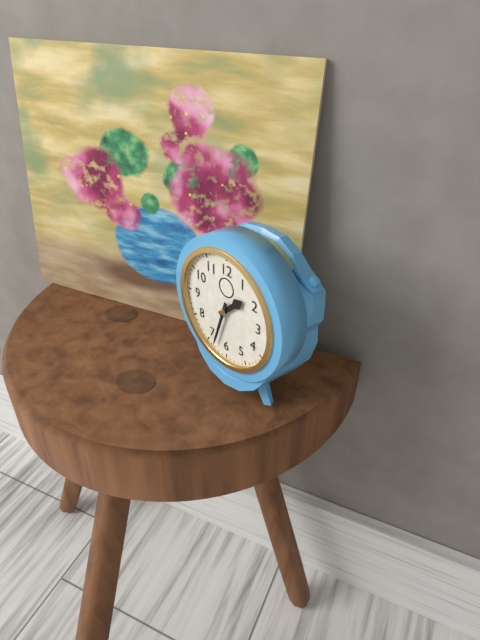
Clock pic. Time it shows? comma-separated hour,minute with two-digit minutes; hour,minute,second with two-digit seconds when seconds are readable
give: 1,33
